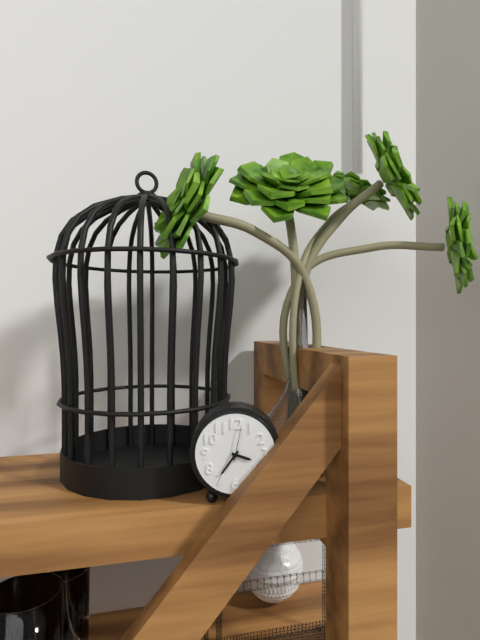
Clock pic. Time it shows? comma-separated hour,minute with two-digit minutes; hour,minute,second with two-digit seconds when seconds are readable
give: 3,36
